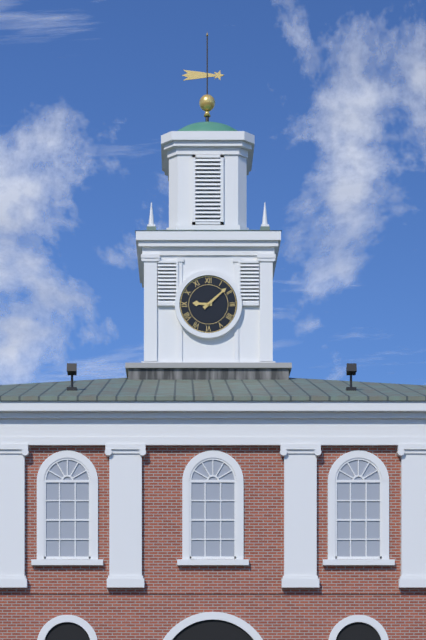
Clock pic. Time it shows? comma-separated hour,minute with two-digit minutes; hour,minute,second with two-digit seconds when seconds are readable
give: 9,08
